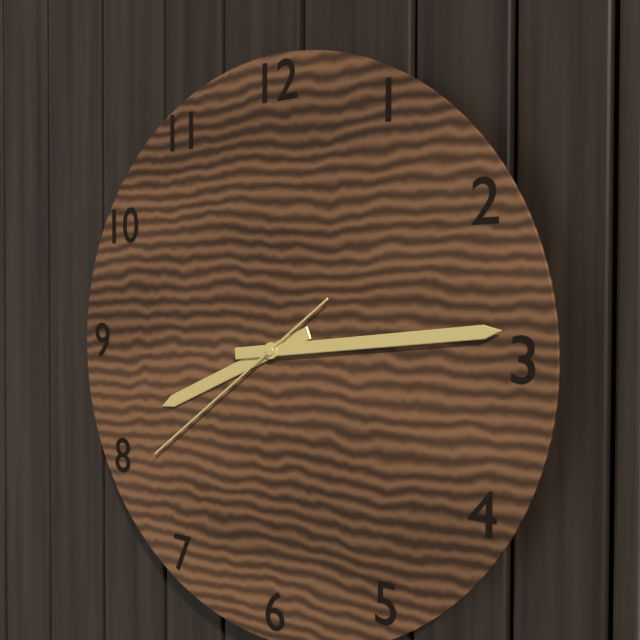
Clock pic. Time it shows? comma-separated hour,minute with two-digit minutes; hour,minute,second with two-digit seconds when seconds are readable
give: 8,14,39
